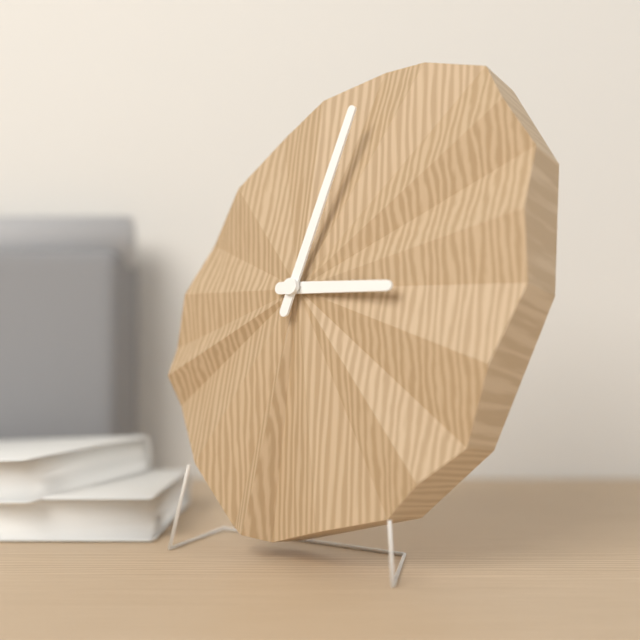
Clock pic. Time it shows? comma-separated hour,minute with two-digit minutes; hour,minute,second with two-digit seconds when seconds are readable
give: 3,03
